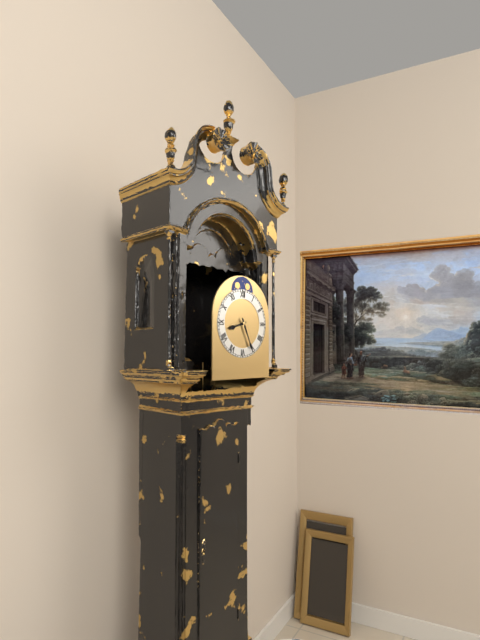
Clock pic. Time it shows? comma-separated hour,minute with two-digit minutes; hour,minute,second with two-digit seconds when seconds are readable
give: 8,26
